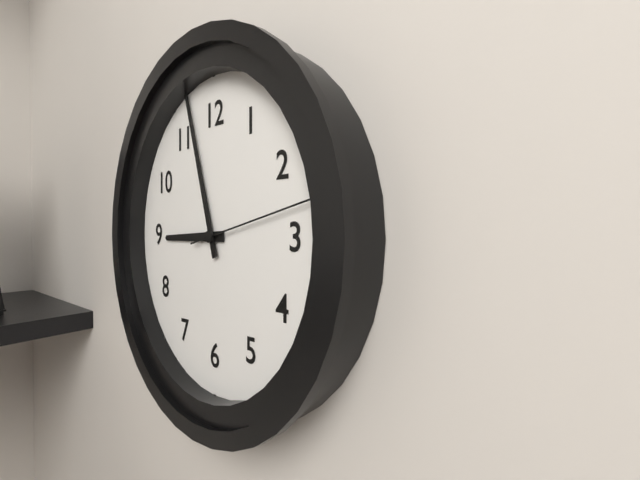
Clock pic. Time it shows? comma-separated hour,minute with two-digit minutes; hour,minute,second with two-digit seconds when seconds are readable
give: 8,57,13
